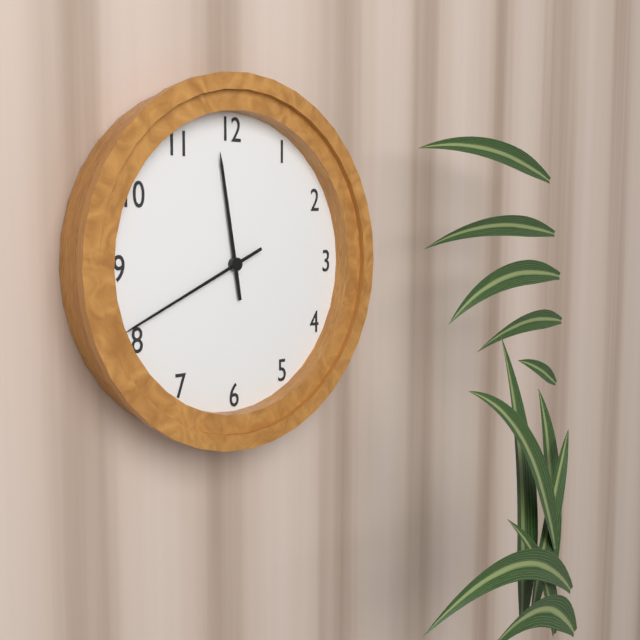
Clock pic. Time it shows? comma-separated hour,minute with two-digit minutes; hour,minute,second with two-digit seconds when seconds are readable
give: 11,41
